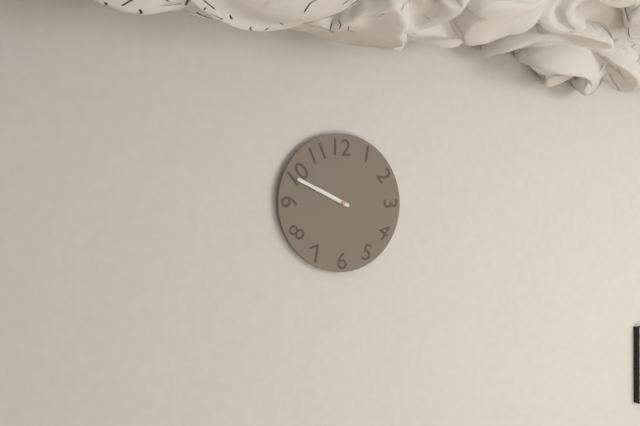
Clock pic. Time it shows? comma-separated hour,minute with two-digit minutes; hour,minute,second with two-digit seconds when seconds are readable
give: 9,49
